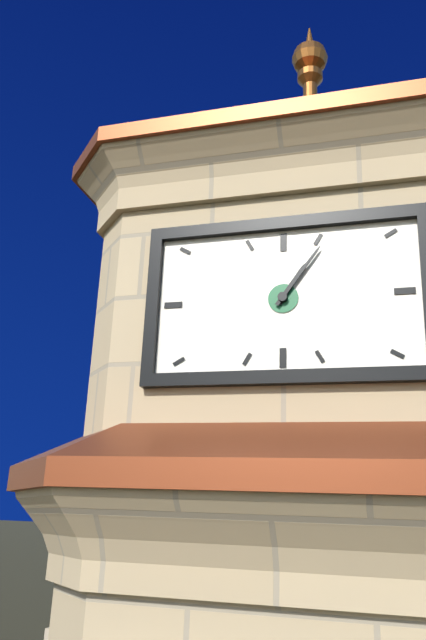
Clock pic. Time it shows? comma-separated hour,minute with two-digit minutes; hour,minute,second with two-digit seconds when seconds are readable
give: 1,06
